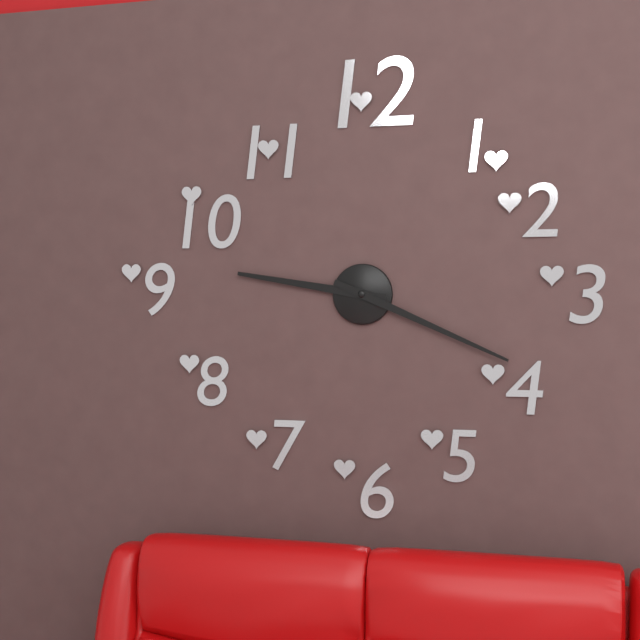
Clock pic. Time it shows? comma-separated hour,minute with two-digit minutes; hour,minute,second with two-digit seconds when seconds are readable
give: 9,19
